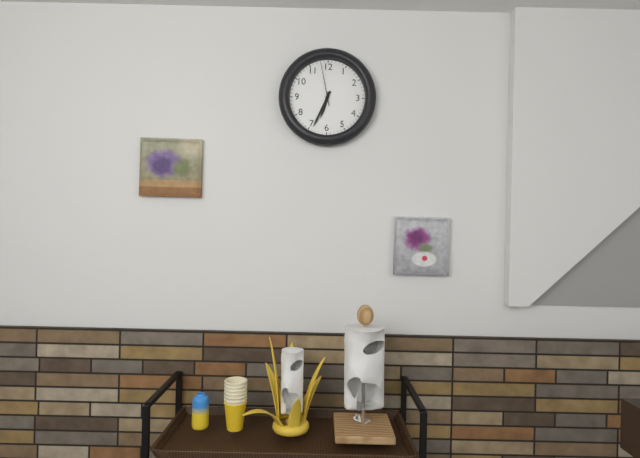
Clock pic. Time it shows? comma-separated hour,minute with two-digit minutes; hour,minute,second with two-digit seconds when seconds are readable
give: 6,34
